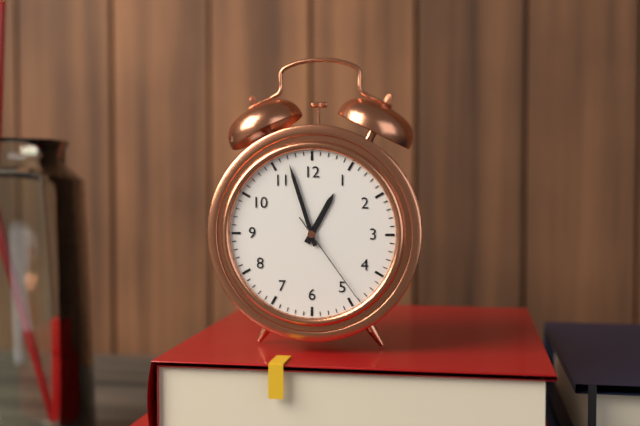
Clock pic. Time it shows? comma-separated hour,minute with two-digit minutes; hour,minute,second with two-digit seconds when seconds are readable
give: 12,57,24
